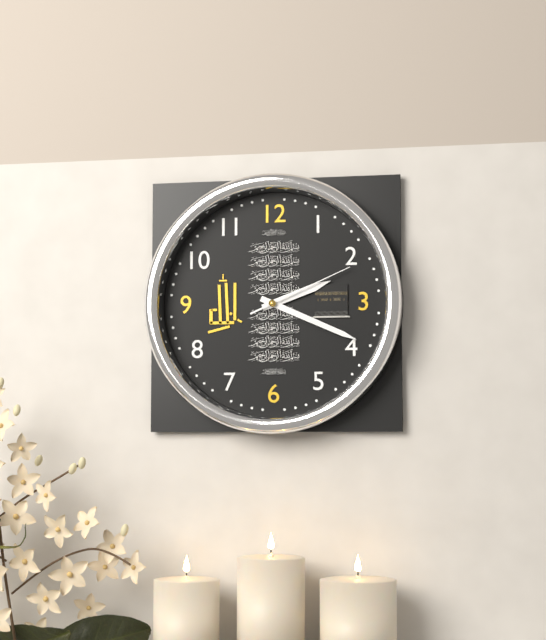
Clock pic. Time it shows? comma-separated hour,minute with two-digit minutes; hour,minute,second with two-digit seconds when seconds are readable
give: 2,19,11
